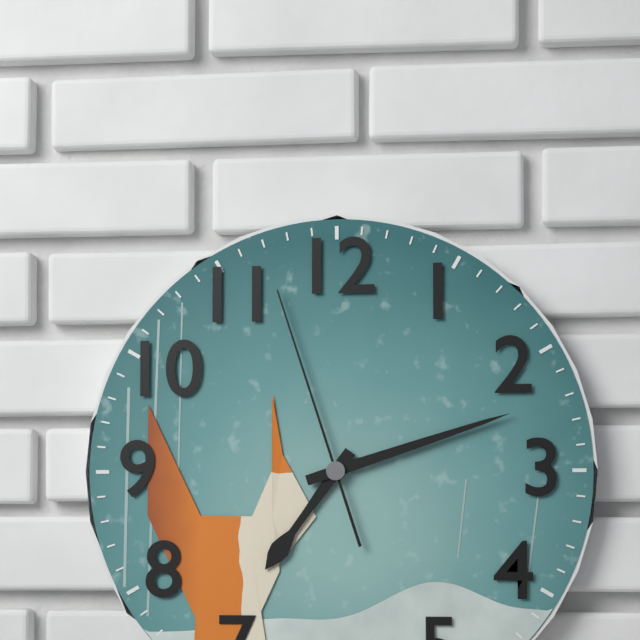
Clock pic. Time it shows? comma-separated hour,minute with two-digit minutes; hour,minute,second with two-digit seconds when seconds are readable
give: 7,12,57
